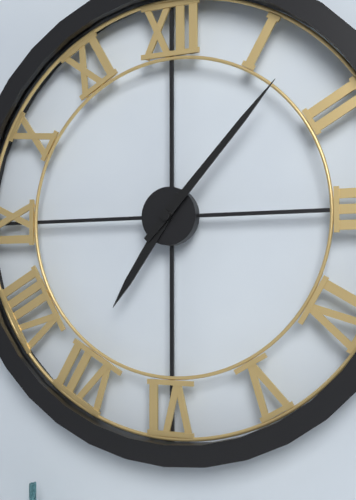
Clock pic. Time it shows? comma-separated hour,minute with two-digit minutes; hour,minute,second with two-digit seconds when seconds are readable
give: 7,07
